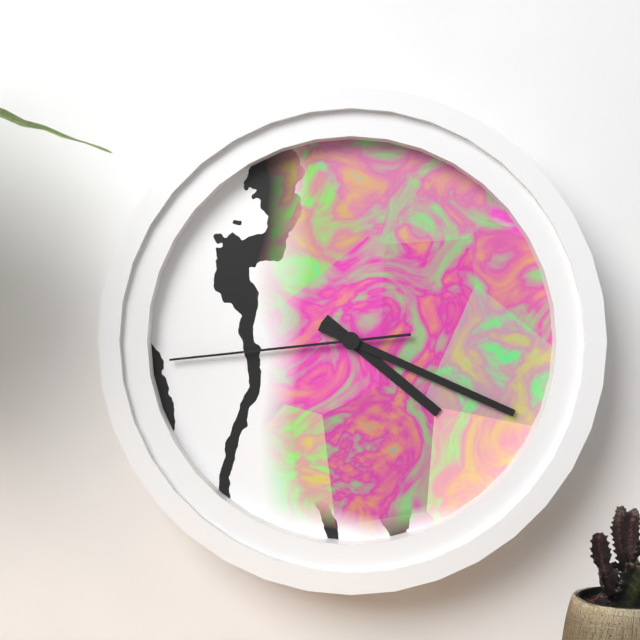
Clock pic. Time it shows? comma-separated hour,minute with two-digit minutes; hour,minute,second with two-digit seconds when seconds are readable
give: 4,19,44
